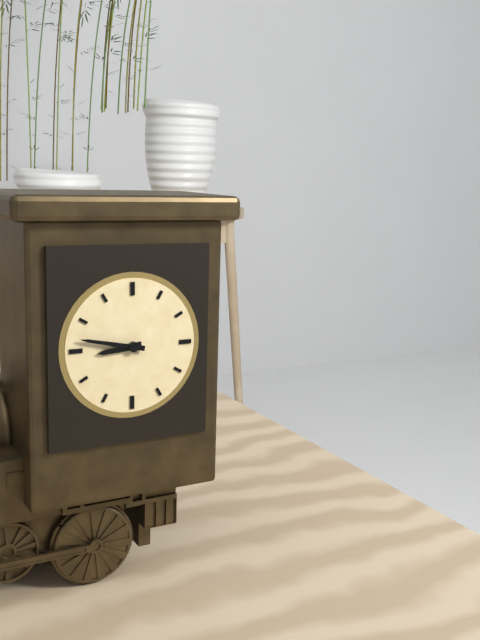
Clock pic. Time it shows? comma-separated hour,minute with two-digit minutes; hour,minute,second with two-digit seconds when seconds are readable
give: 8,47
